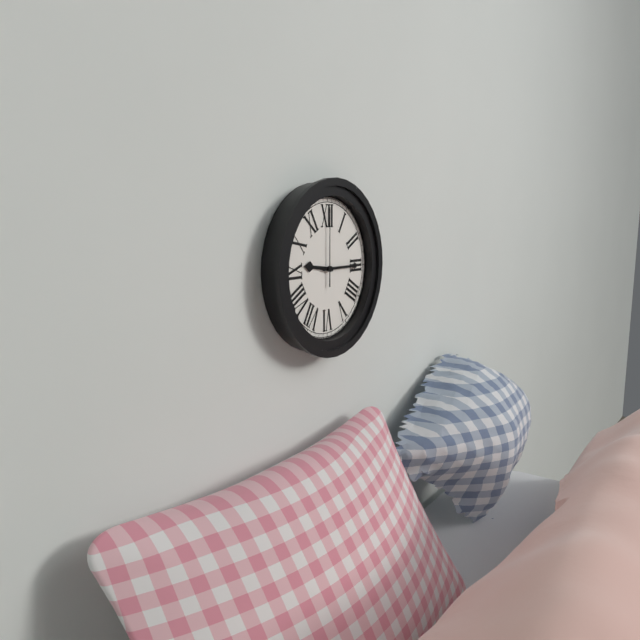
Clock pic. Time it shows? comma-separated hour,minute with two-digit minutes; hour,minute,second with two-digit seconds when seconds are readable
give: 9,15,00
